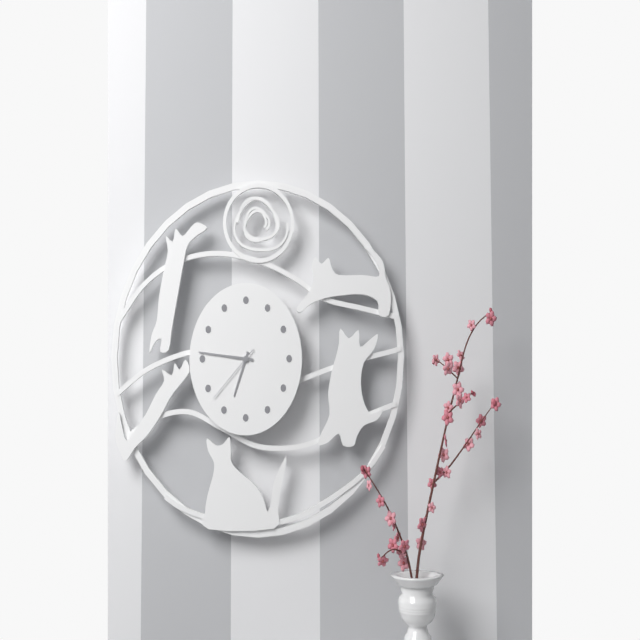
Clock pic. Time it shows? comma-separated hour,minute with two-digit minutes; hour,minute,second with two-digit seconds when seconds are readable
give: 6,46,38
